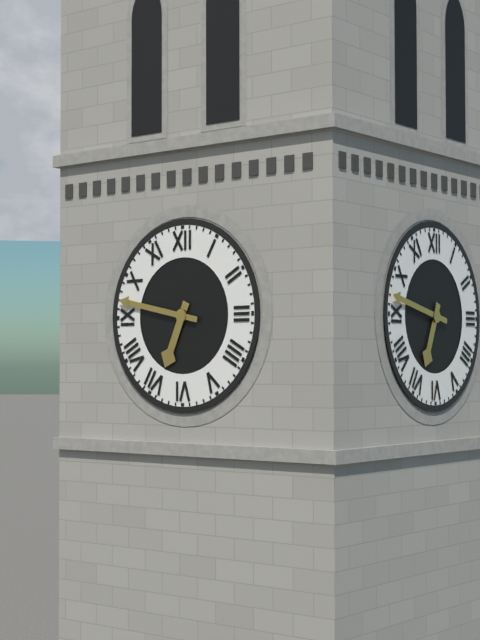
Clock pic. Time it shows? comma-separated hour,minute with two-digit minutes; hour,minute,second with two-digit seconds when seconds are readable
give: 6,47
